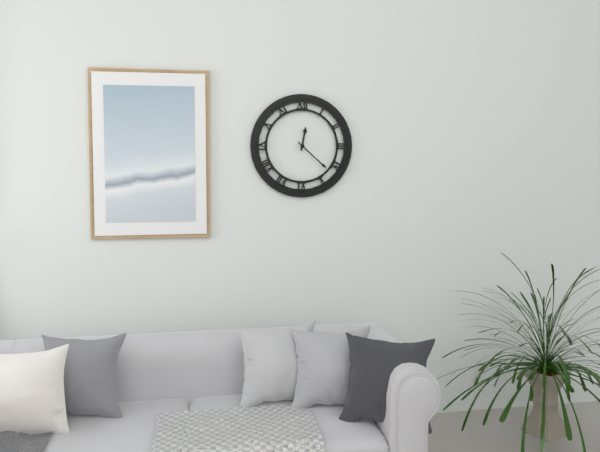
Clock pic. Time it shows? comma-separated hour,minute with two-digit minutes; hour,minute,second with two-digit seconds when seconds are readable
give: 12,22
